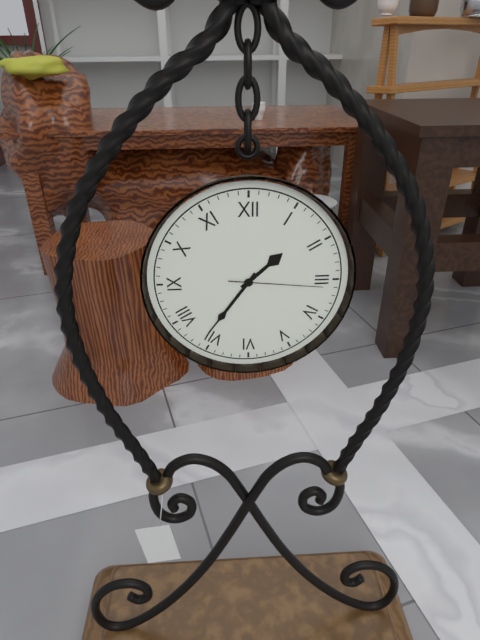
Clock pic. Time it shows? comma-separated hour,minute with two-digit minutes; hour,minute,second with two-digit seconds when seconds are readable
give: 1,36,16
